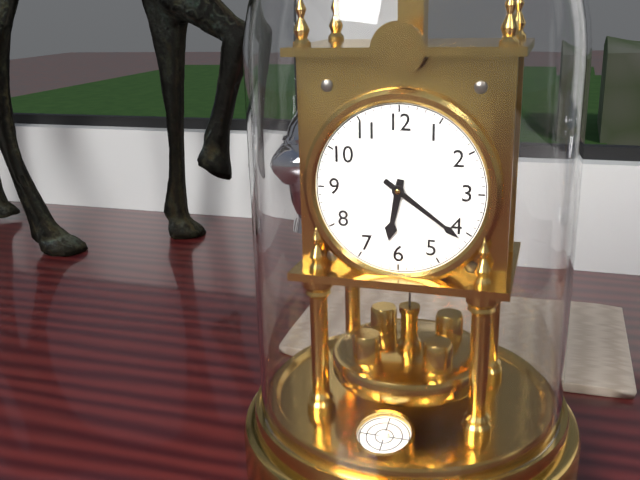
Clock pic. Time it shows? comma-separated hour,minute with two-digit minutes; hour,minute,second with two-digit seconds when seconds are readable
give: 6,21
